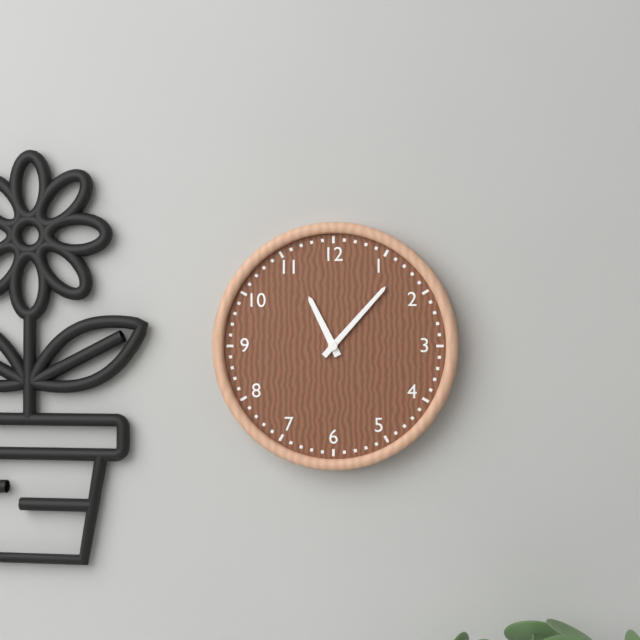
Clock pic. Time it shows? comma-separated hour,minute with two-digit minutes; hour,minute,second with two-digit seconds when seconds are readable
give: 11,07
